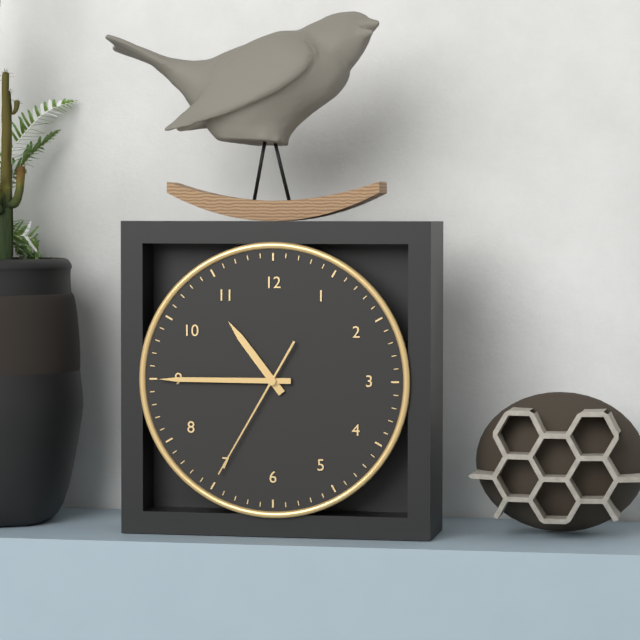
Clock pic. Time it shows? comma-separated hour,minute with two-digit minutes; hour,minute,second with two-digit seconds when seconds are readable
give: 10,45,35
